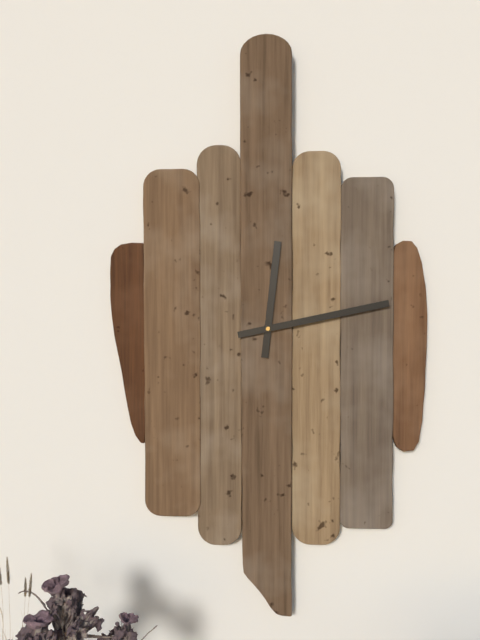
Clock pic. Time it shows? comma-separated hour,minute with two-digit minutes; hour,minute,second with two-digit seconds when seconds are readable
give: 12,13
